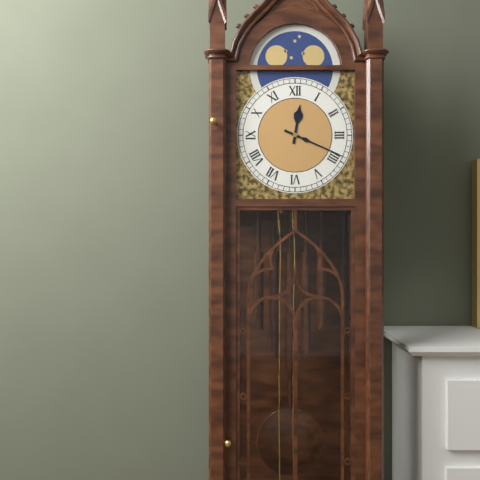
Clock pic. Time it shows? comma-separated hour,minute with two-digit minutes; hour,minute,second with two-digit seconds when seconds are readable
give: 12,19
